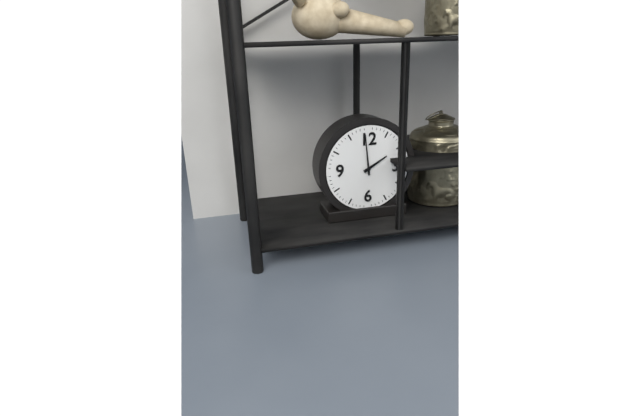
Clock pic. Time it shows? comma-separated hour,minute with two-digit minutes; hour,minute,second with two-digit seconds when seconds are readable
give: 1,59
